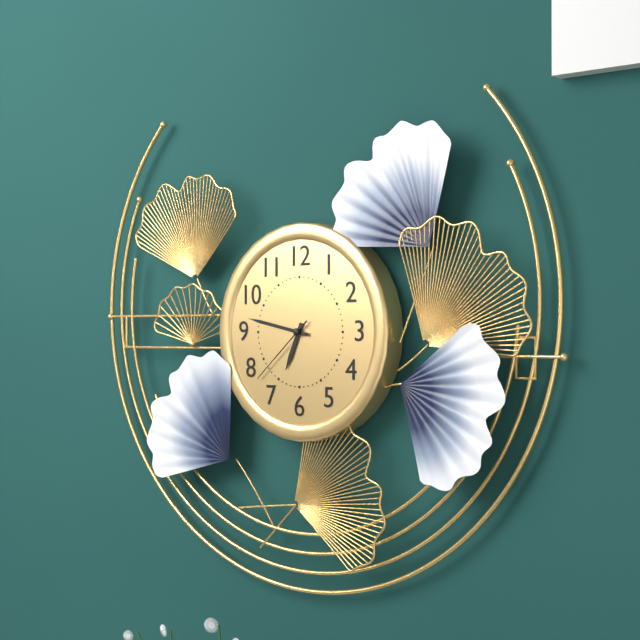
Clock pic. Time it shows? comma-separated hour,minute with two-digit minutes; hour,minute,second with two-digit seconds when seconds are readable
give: 6,47,38
